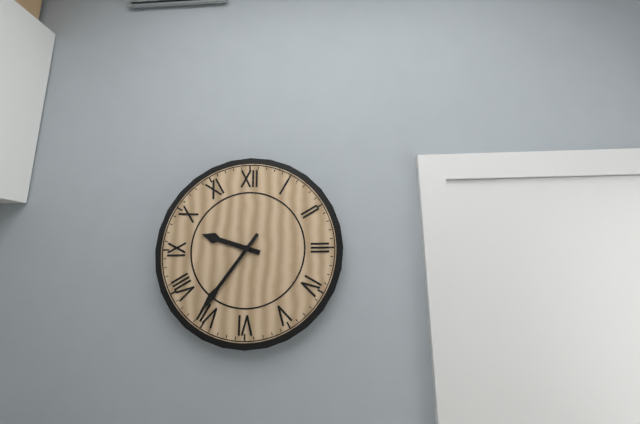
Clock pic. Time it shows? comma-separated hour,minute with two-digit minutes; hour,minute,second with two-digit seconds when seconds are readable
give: 9,36
